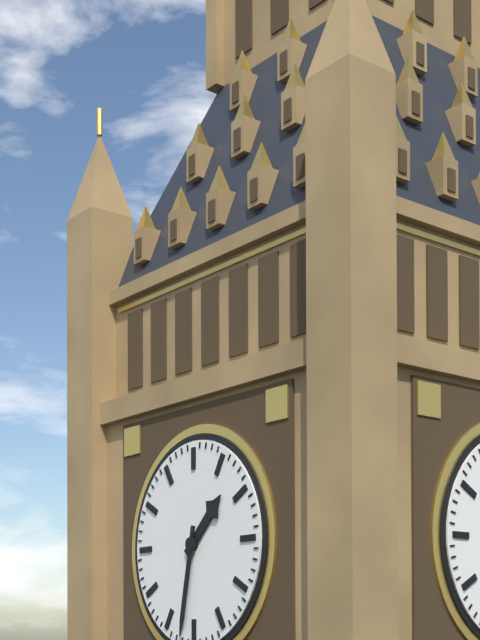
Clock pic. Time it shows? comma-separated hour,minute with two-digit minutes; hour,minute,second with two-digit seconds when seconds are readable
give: 1,32
